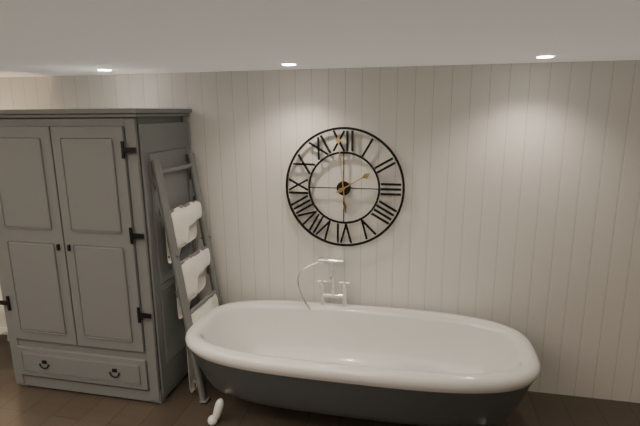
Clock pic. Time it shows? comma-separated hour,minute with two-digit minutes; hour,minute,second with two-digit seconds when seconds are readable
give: 1,59
